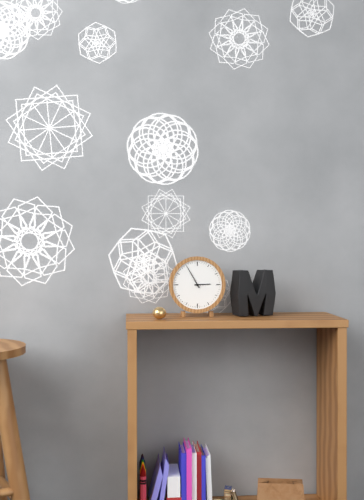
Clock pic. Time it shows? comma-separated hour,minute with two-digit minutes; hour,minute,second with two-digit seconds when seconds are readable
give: 2,55
